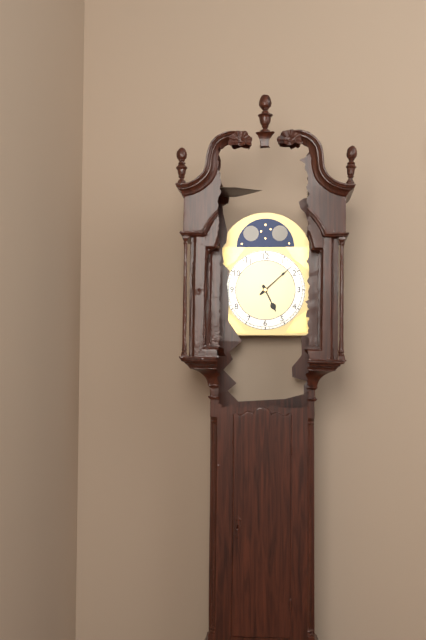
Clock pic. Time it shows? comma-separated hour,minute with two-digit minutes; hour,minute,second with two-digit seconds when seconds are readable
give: 5,08
